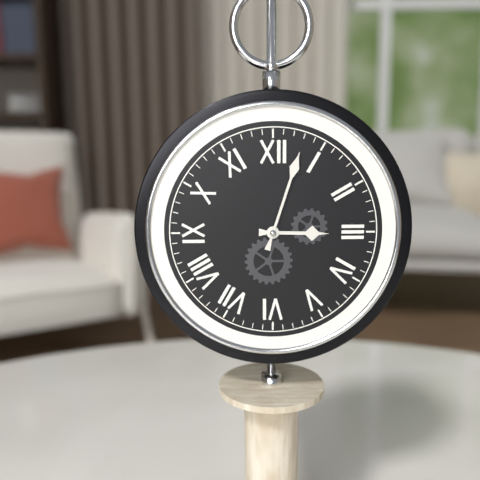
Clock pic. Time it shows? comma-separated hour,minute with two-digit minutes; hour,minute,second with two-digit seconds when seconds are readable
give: 3,03
